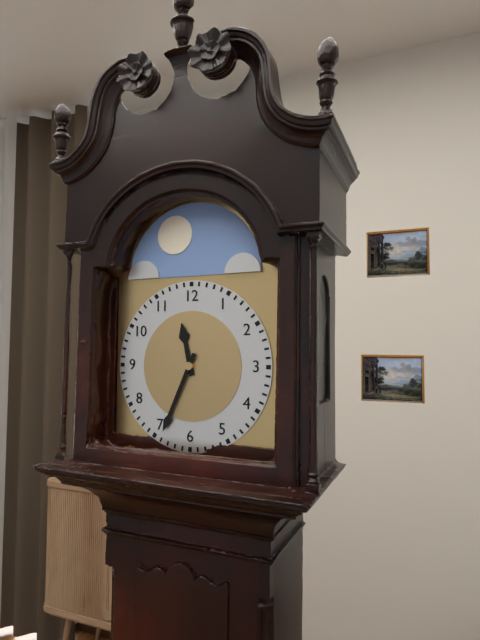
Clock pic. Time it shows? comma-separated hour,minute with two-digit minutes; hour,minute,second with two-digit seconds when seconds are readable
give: 11,34
